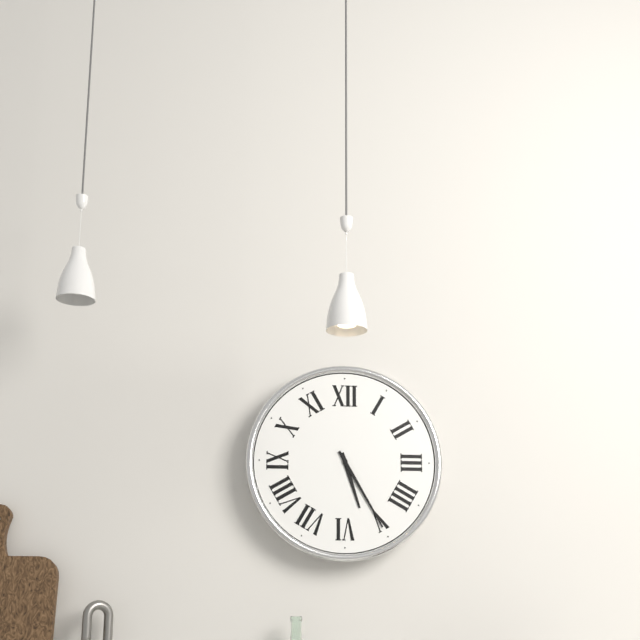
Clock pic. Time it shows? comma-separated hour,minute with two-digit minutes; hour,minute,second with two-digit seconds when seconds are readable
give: 5,25
